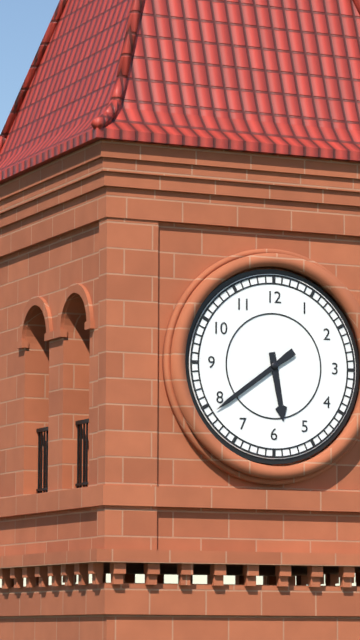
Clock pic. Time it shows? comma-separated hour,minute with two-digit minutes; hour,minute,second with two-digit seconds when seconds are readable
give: 5,39
